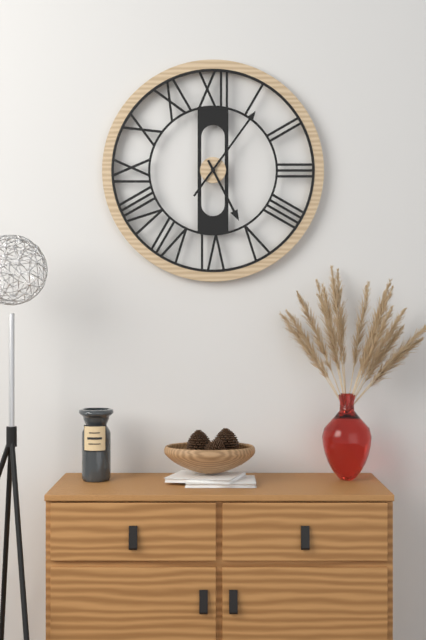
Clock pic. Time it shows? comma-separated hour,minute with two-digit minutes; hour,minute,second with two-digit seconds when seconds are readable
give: 5,06
